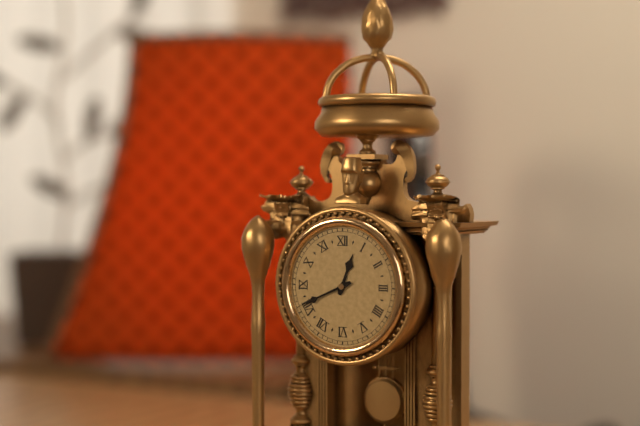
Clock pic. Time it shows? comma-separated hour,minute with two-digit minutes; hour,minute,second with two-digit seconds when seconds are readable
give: 12,41
